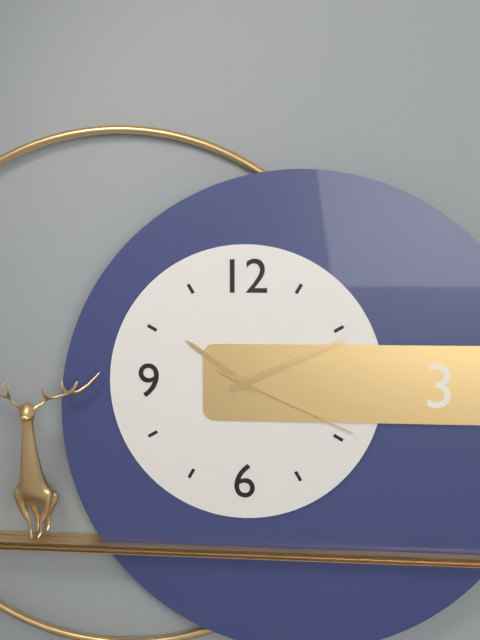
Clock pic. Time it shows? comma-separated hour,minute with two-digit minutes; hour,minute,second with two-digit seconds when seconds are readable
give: 10,11,19
